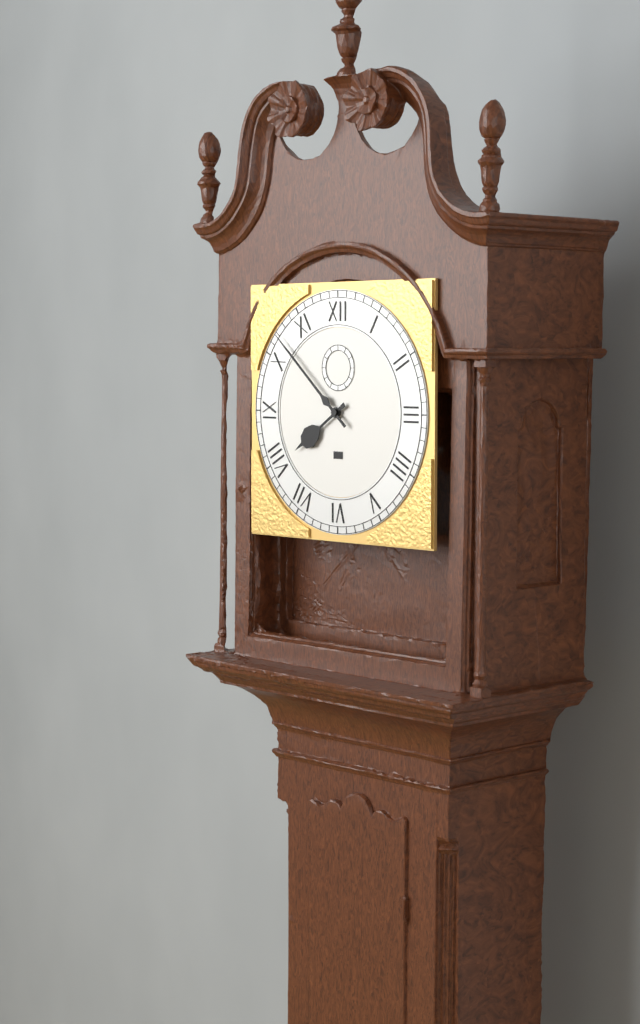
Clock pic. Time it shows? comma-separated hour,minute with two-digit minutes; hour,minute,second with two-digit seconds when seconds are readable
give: 7,52
